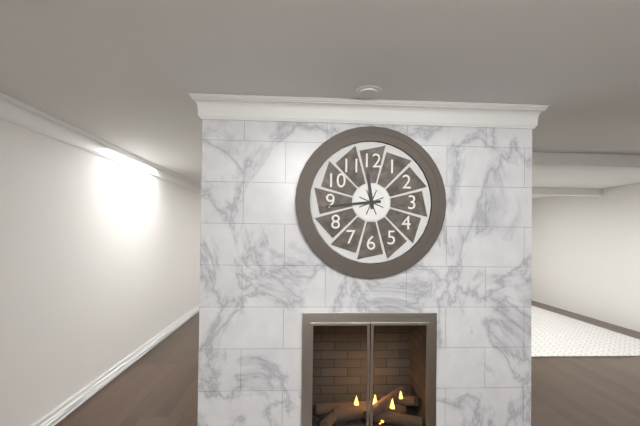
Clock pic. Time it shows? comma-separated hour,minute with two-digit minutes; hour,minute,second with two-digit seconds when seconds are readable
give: 11,44
